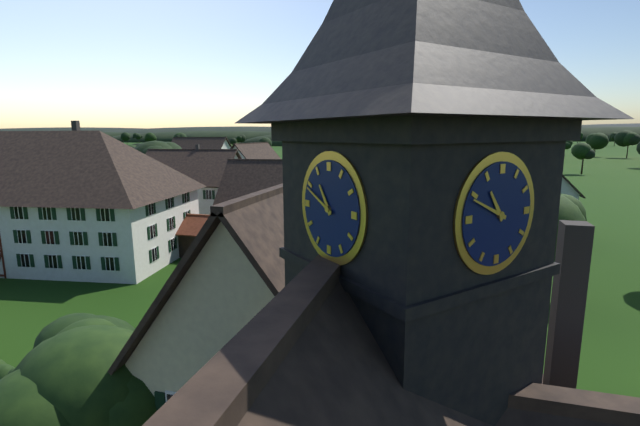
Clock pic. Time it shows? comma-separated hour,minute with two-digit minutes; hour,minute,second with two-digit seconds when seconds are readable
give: 10,49
